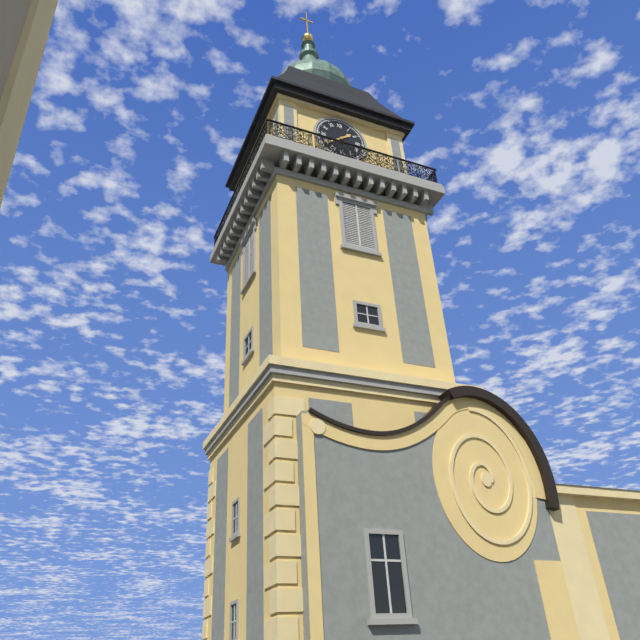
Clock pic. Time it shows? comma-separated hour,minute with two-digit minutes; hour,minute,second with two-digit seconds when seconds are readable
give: 1,39
